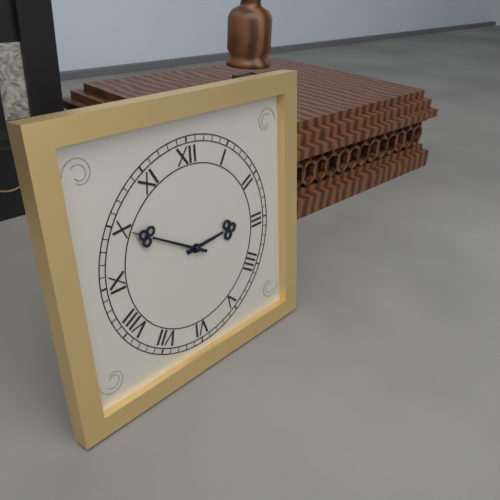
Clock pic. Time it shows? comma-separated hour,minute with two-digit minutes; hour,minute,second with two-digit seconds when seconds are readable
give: 2,50
